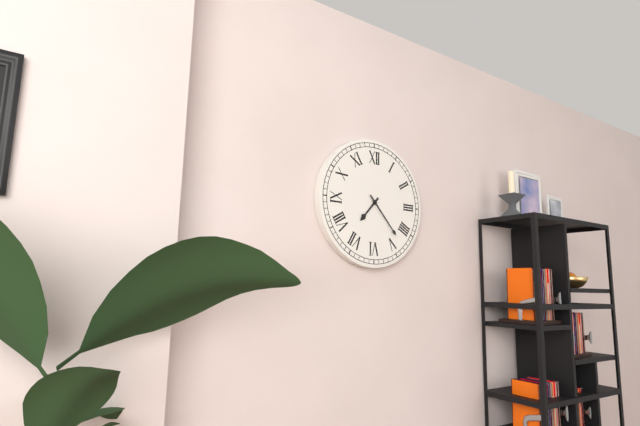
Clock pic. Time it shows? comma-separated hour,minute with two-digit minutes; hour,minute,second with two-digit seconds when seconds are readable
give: 7,23
